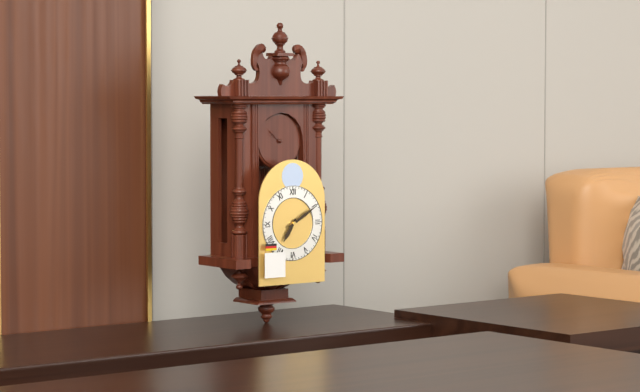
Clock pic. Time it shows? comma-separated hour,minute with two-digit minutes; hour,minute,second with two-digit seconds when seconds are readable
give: 7,10
